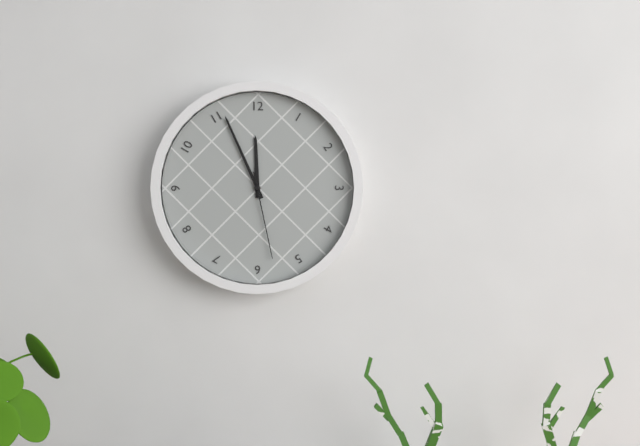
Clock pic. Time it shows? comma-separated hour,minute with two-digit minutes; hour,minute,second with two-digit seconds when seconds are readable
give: 11,56,28
